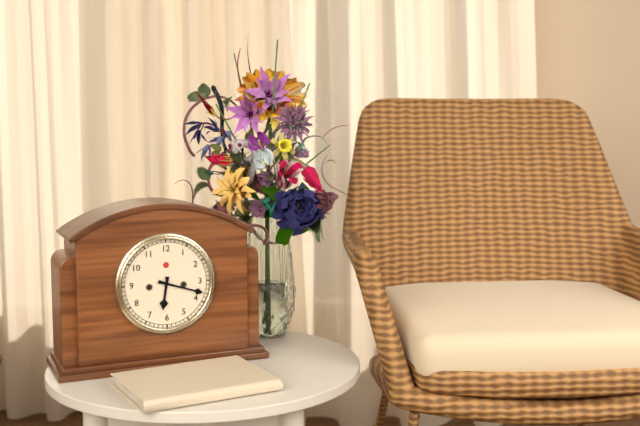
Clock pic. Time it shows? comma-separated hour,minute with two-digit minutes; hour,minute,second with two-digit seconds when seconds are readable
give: 6,18
